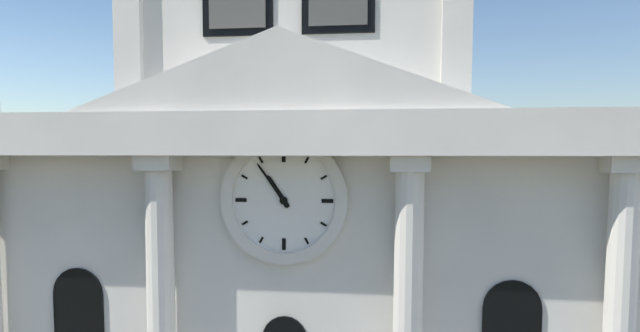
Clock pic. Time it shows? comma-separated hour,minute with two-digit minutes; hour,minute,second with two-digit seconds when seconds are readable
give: 10,54
